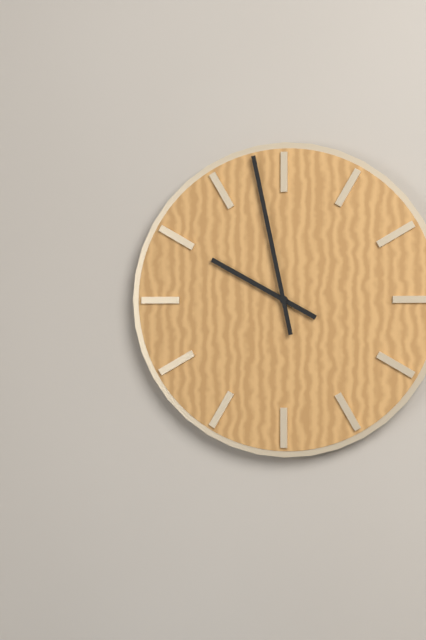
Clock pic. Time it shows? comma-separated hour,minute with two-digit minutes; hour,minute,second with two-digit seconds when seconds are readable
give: 9,58
